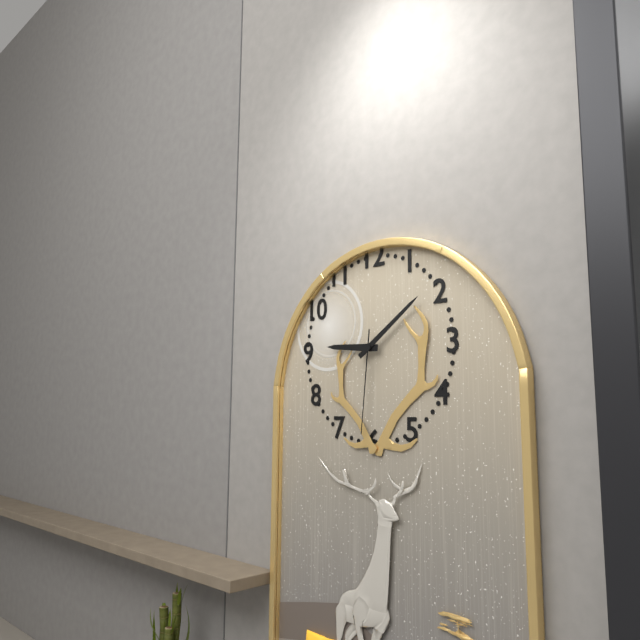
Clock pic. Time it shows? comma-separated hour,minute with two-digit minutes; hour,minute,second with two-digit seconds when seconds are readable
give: 9,09,31
